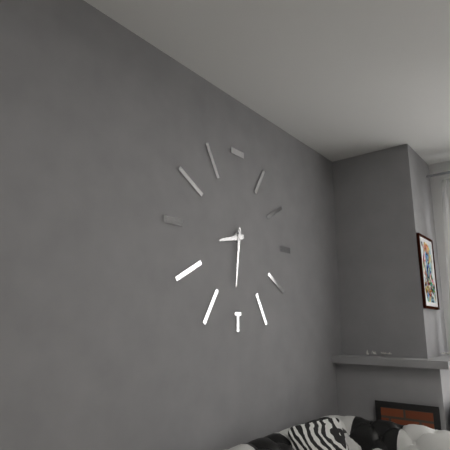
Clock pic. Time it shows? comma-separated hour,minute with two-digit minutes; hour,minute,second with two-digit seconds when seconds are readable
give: 8,31
